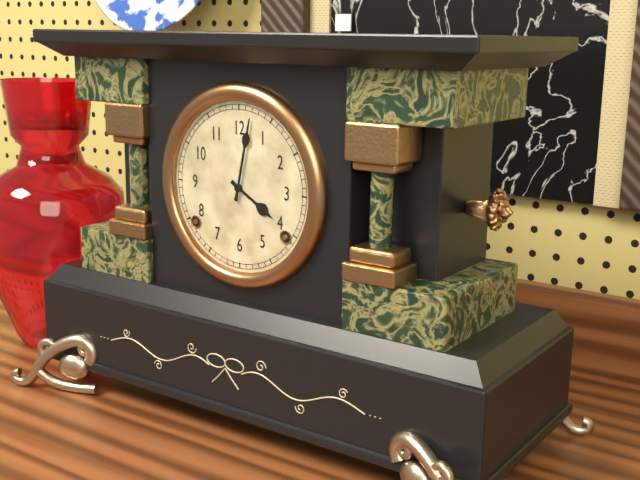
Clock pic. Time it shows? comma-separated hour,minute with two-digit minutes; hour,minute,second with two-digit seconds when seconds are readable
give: 4,02
